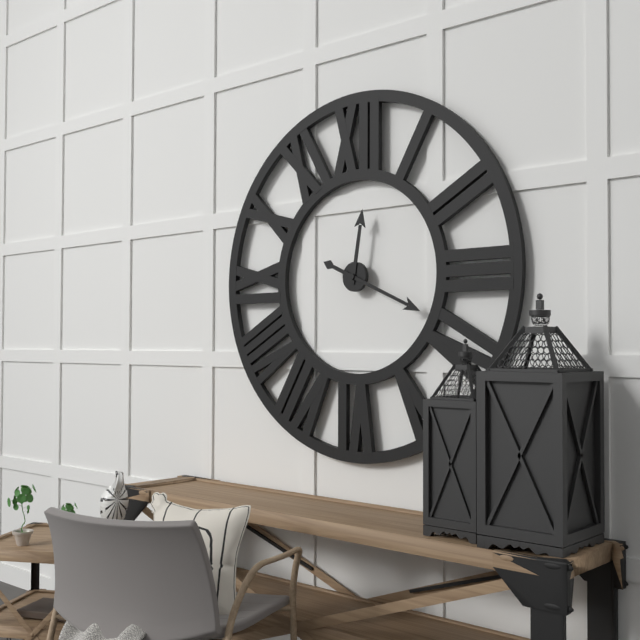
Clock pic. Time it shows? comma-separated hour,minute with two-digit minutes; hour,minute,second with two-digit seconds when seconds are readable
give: 12,19
